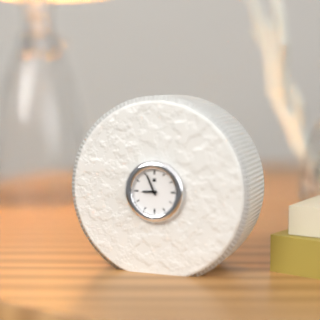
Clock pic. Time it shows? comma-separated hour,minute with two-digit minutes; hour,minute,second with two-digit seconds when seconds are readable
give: 8,56
